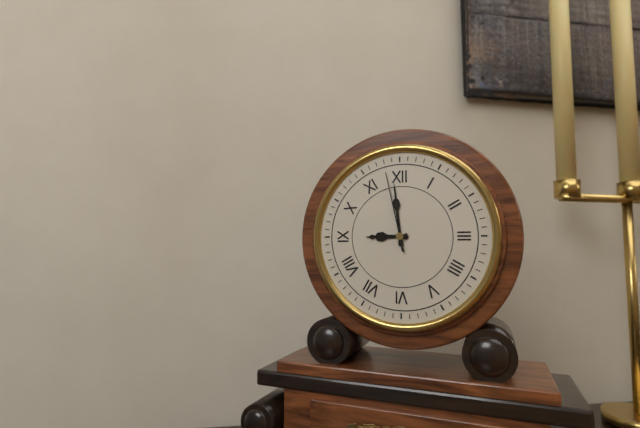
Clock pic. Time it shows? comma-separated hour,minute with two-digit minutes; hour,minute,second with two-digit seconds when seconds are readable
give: 8,59,58
